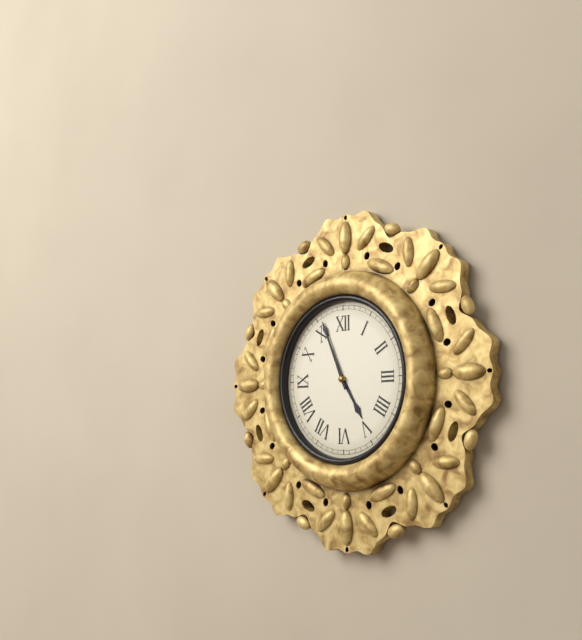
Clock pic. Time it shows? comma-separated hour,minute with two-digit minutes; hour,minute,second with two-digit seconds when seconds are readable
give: 4,56
